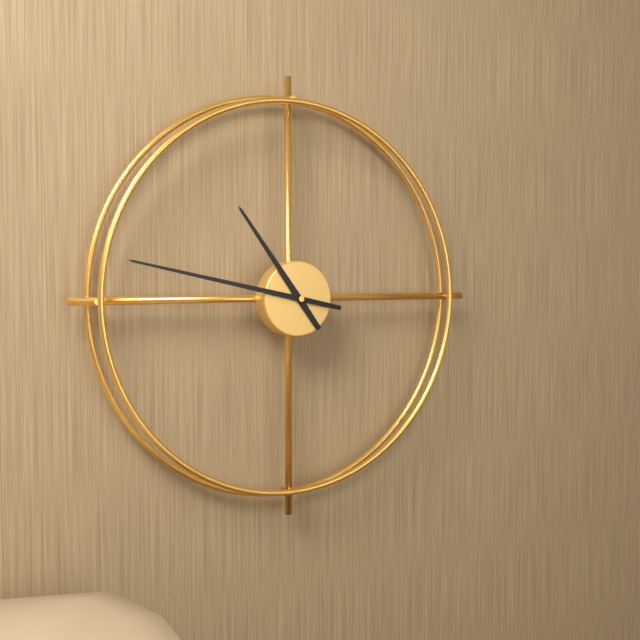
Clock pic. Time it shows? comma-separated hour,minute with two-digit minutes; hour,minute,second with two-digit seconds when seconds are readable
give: 10,47
